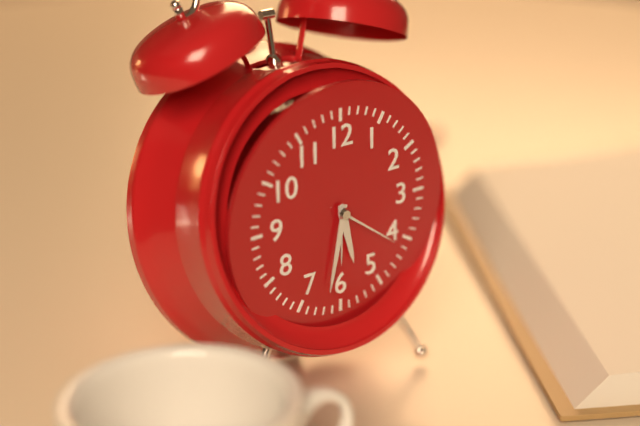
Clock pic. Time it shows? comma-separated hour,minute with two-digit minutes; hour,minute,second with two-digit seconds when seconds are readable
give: 5,32,21
